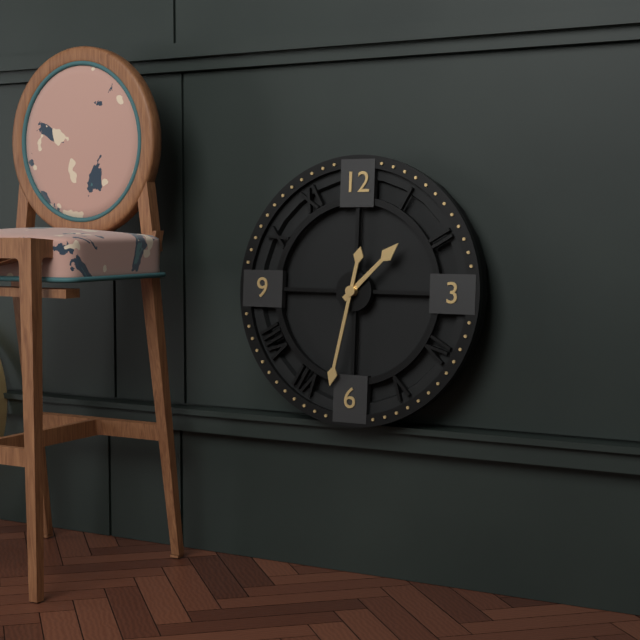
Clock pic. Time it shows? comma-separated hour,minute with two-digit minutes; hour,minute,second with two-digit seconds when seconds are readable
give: 1,32
